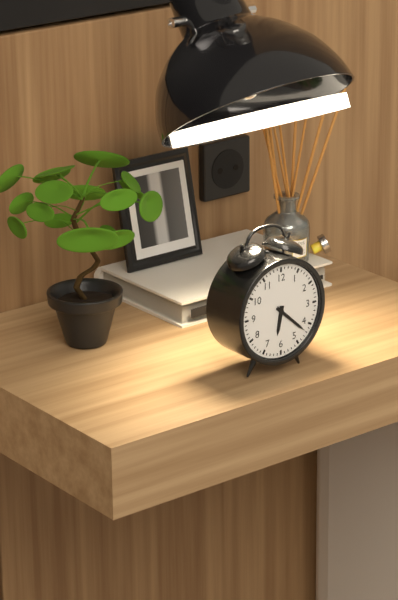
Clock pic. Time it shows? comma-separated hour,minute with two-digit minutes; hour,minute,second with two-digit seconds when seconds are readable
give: 6,22
